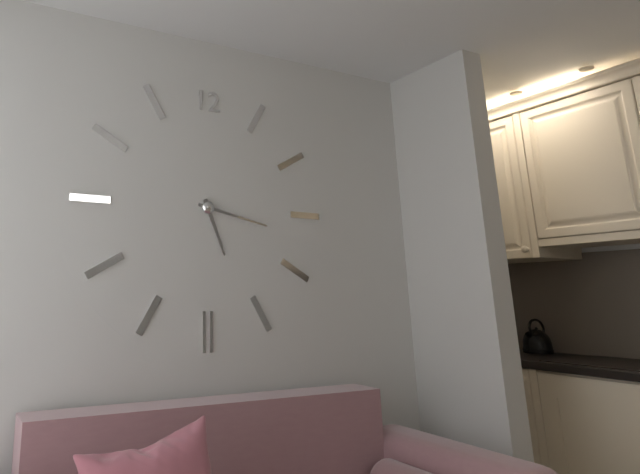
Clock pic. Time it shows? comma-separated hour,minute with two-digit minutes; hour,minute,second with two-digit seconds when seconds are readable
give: 5,17
